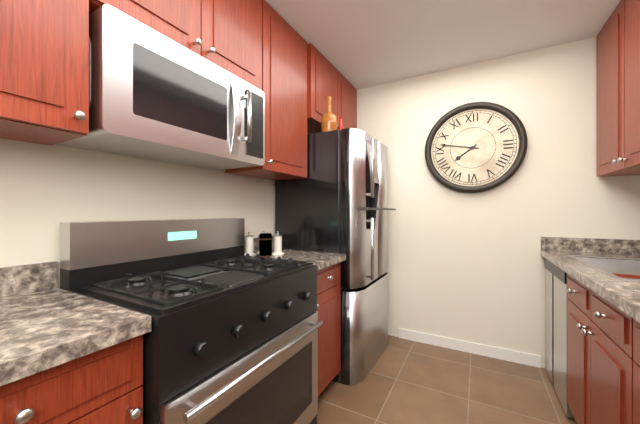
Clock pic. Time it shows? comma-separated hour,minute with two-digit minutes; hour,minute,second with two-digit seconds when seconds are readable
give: 7,47
